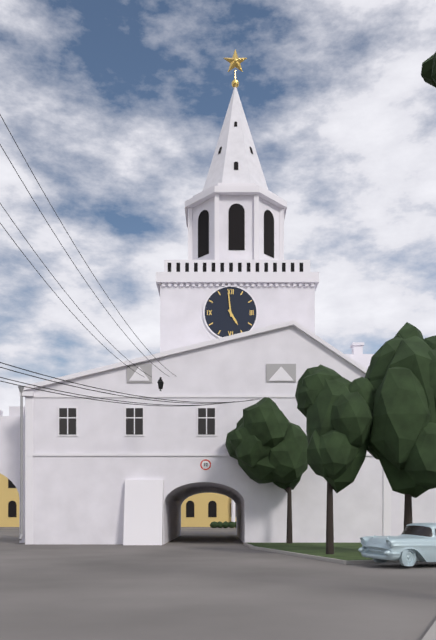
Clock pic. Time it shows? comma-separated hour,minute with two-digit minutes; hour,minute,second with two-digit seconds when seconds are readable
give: 4,59
